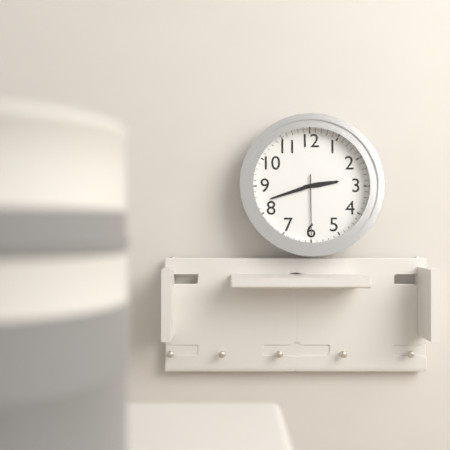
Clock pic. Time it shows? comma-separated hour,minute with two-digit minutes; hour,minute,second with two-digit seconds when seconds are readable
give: 2,42,30
